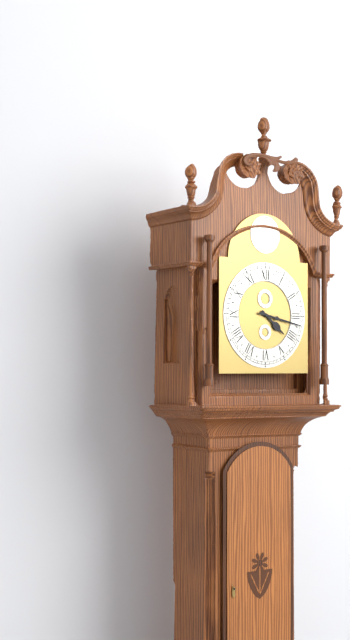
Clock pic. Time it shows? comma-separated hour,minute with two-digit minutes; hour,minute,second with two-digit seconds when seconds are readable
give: 4,17
